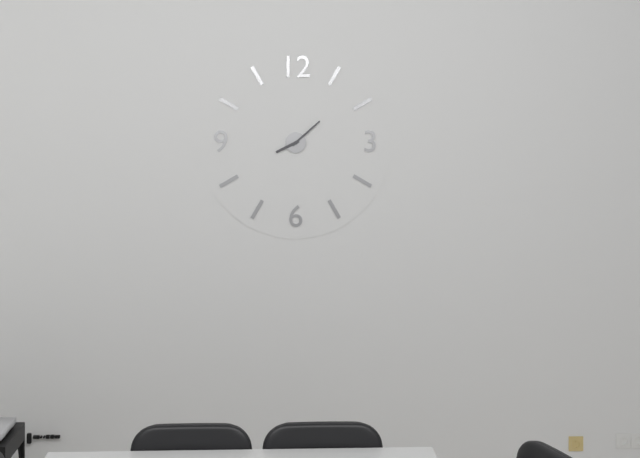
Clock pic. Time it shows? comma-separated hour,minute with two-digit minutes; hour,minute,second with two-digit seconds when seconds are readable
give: 8,08
